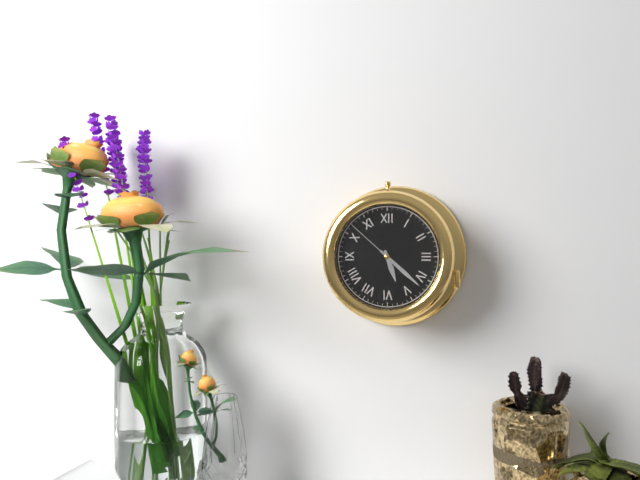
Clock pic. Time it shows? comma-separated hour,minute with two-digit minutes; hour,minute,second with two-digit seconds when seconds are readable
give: 5,22,52
